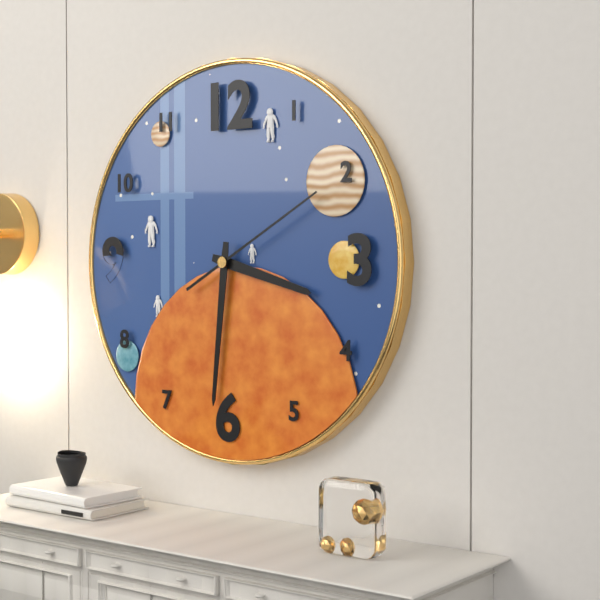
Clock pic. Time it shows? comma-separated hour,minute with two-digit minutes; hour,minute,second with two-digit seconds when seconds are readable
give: 3,31,10
